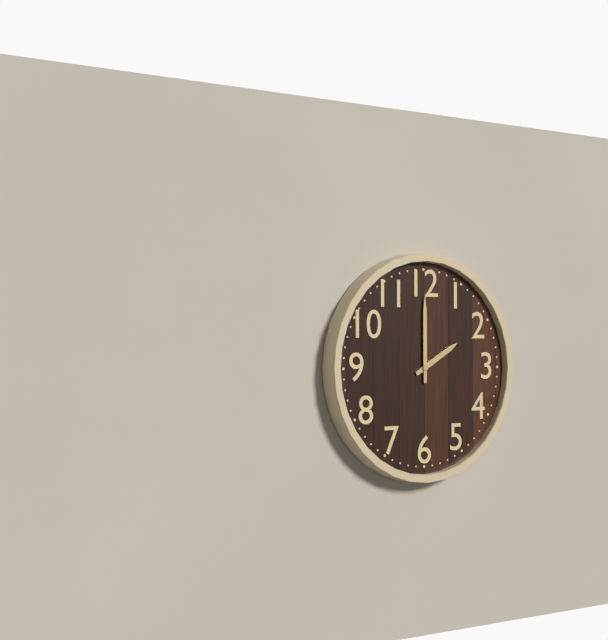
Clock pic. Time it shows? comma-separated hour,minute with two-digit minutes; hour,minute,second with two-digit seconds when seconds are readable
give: 2,00
